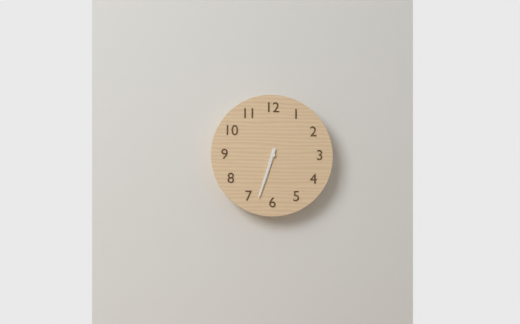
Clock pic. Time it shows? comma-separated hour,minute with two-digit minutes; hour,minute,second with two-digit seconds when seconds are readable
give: 6,33
